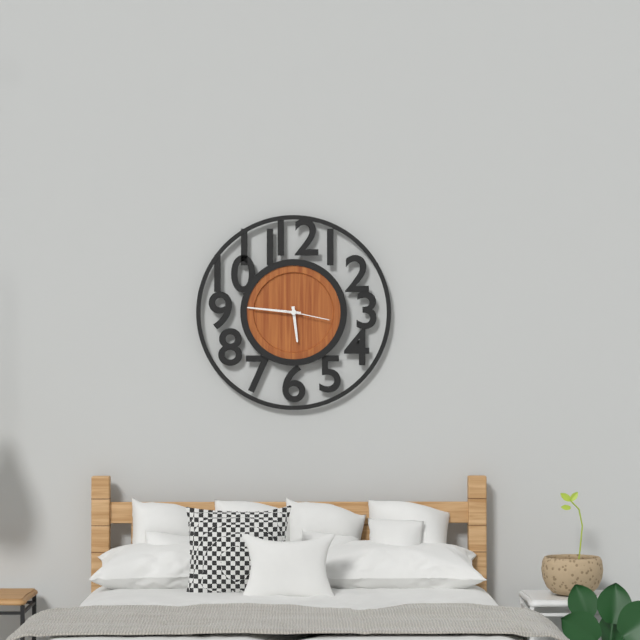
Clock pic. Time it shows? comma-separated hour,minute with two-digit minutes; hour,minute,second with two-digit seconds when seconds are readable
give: 5,46
